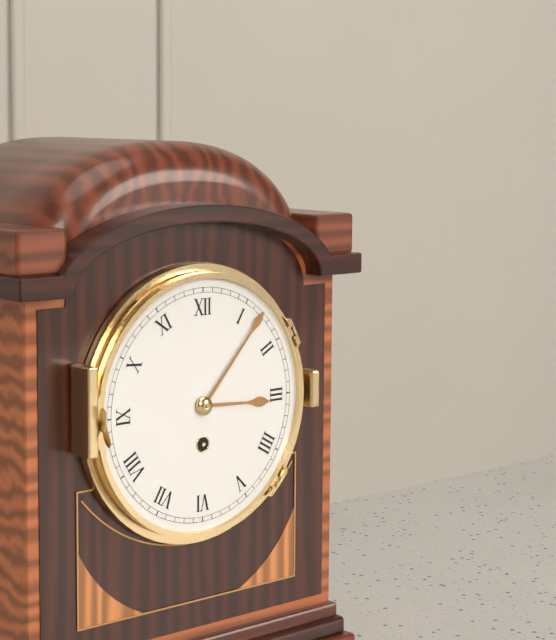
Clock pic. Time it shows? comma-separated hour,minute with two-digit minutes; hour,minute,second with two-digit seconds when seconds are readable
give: 3,07
